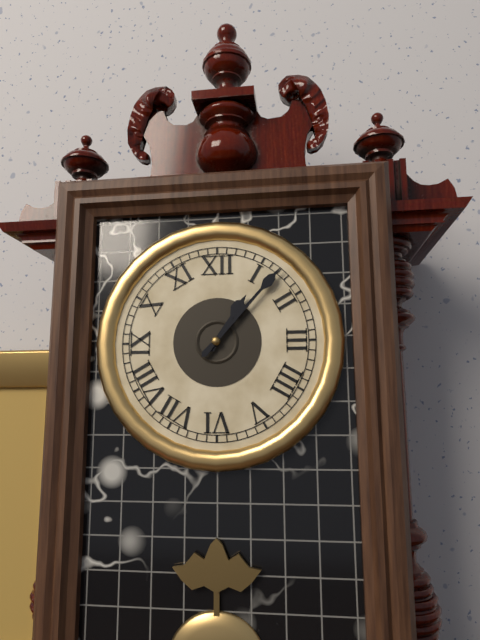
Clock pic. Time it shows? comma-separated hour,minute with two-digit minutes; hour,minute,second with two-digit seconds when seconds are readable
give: 1,07
